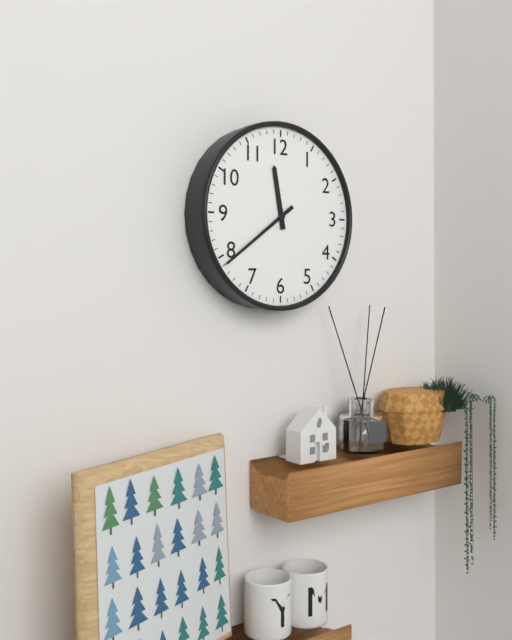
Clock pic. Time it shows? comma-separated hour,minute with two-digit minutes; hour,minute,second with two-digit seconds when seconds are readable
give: 11,39
